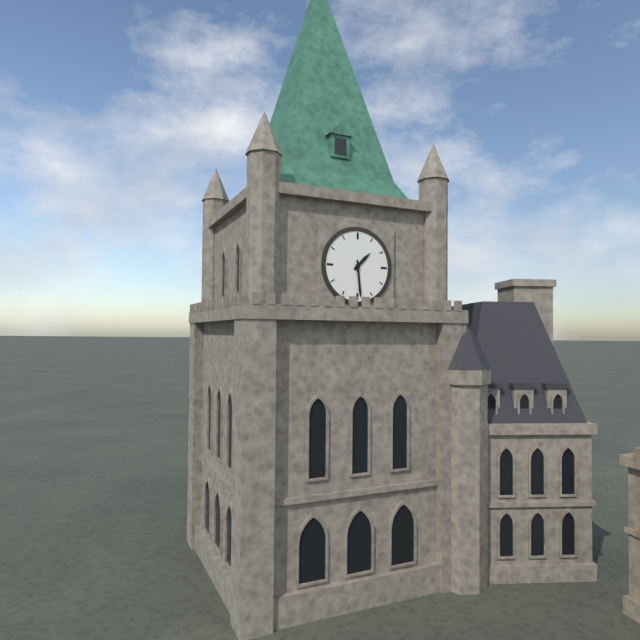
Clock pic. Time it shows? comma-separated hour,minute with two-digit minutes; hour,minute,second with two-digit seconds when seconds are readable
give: 1,29
